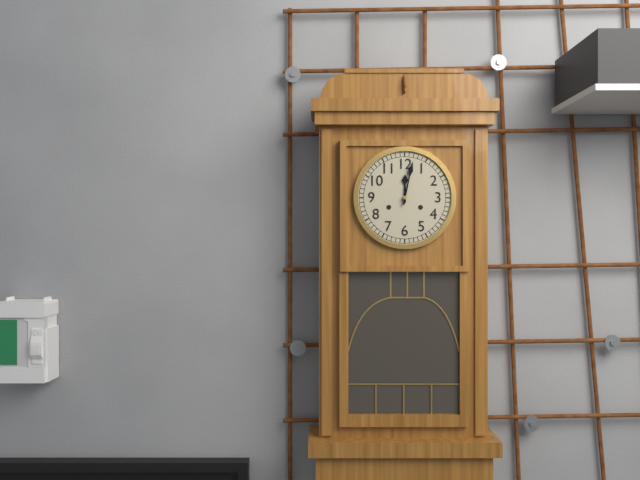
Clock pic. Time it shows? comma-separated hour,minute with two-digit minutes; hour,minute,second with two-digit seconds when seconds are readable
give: 12,02
